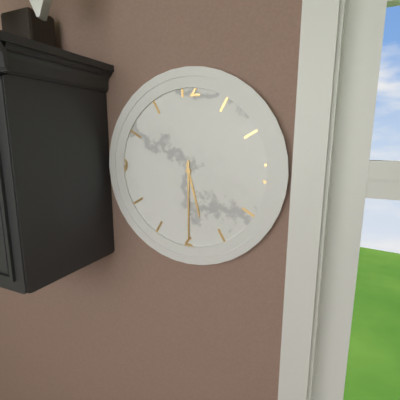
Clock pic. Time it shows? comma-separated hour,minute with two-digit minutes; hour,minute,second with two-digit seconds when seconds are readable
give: 5,30
